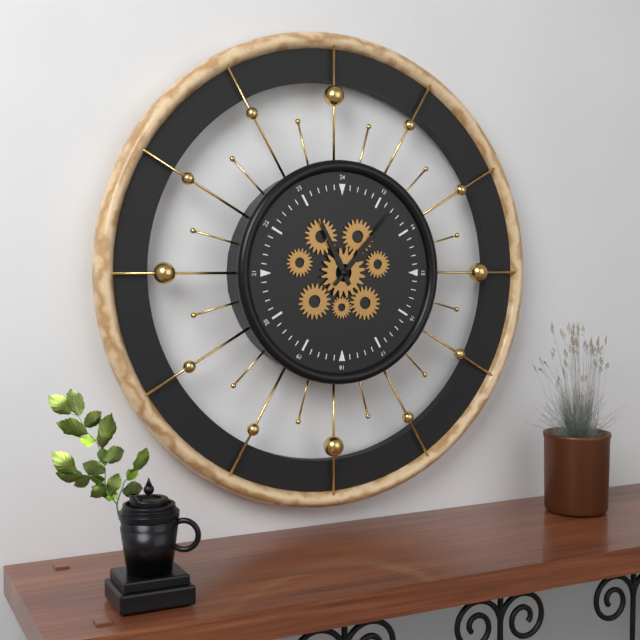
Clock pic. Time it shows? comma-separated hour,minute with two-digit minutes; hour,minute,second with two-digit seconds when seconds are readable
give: 11,07
